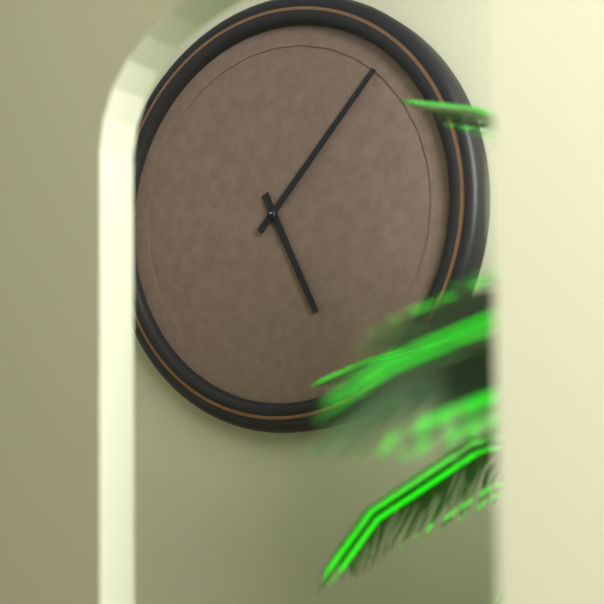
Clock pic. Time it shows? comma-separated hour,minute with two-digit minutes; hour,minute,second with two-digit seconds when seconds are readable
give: 5,07
